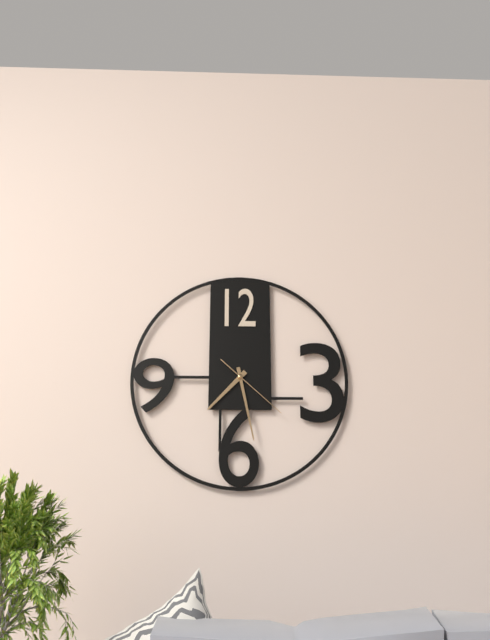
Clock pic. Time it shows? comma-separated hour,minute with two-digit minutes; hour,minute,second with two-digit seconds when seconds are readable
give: 7,28,22
